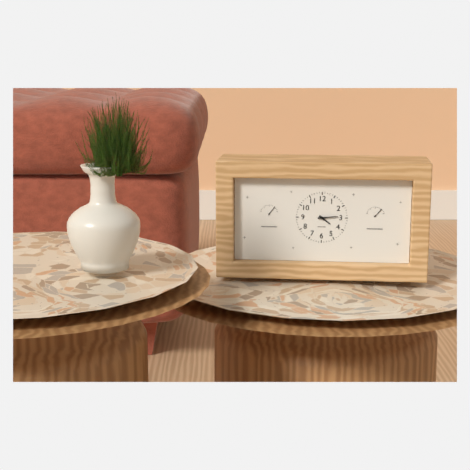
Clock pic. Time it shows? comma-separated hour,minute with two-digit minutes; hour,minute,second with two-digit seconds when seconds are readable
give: 4,14
